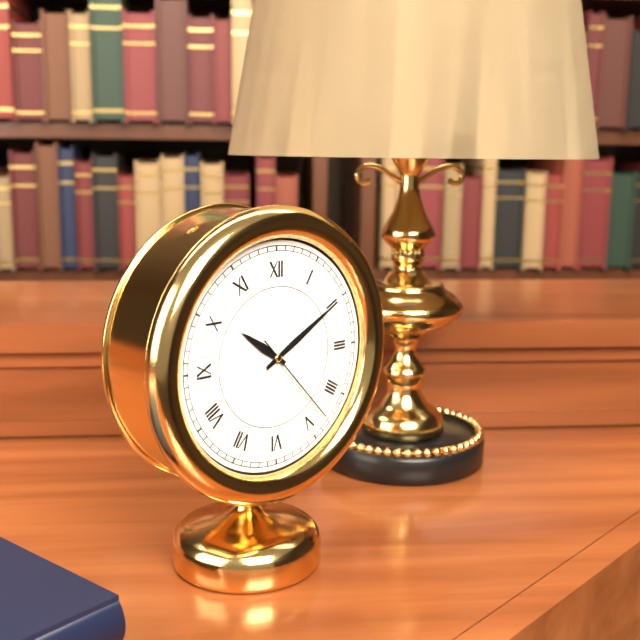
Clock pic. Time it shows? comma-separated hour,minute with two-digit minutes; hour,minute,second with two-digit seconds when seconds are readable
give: 10,10,23
